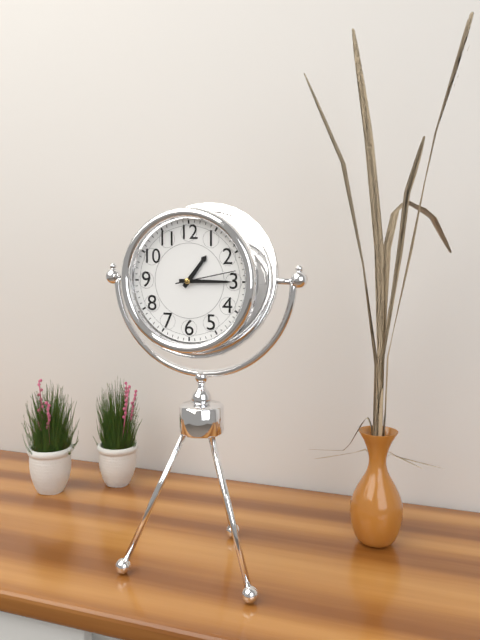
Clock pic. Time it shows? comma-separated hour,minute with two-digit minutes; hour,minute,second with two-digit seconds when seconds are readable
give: 1,15,13
